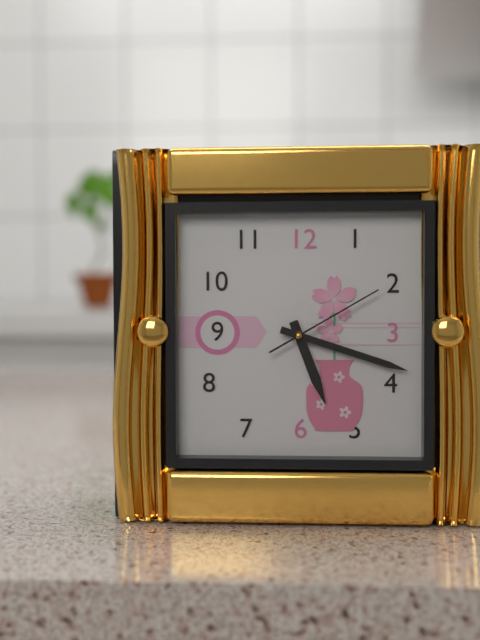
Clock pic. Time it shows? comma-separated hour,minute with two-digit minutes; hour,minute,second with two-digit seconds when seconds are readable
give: 5,18,10
